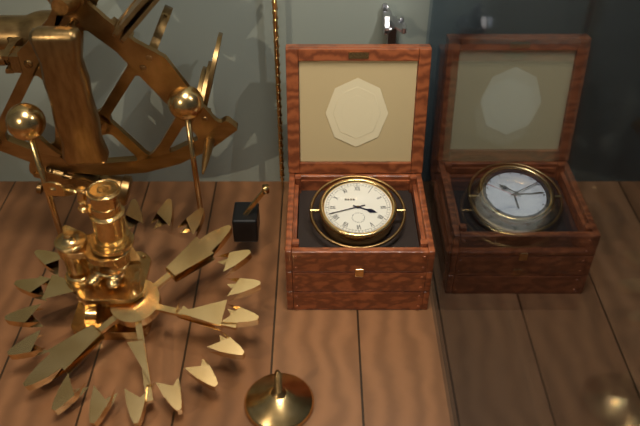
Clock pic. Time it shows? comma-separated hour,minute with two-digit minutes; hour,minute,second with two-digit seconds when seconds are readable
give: 3,42
